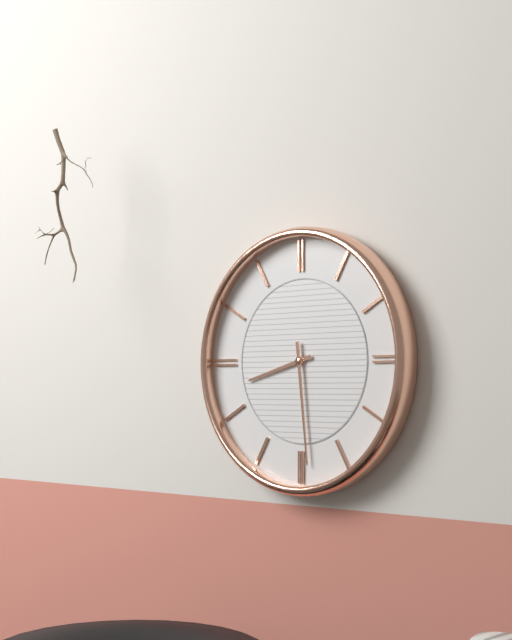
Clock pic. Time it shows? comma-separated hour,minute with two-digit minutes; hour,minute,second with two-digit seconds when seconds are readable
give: 8,29
